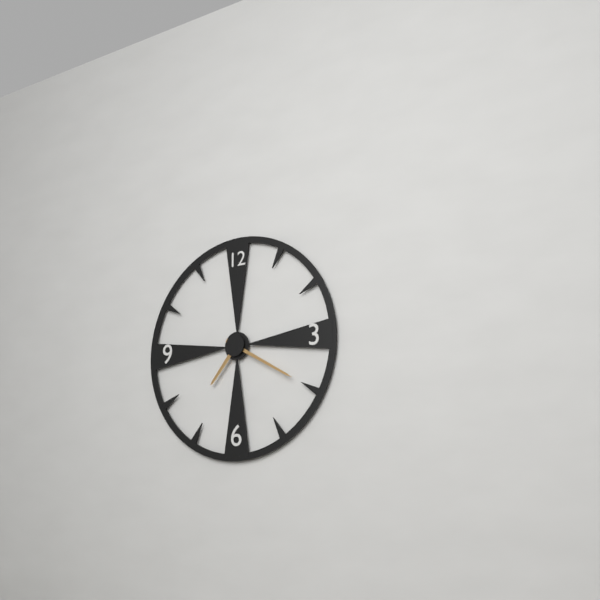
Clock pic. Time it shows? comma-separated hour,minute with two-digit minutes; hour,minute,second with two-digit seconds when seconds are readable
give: 7,20
